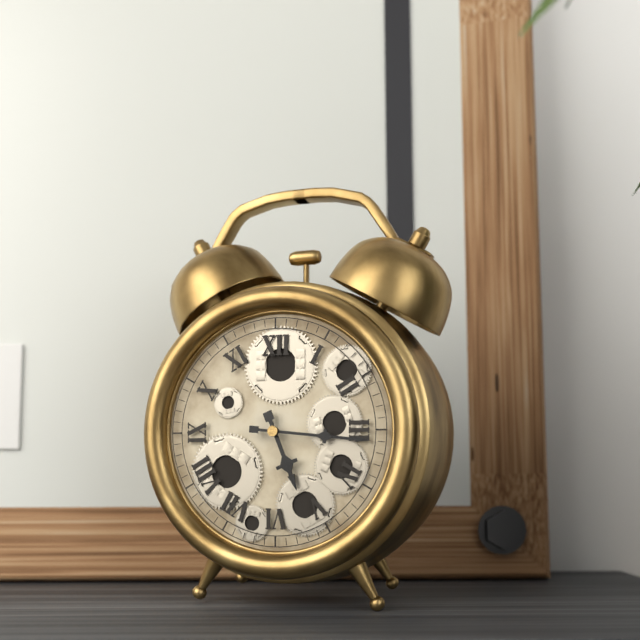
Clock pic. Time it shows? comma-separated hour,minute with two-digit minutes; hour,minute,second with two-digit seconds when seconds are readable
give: 5,16
